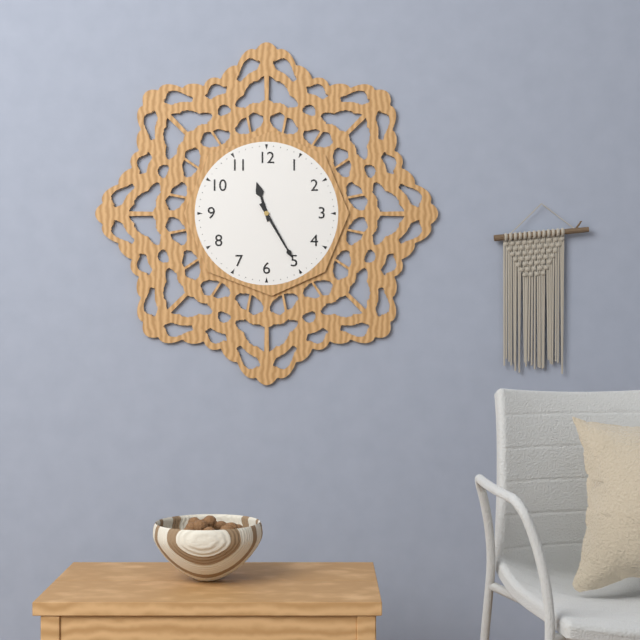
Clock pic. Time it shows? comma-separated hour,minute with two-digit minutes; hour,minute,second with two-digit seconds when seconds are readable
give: 11,25
